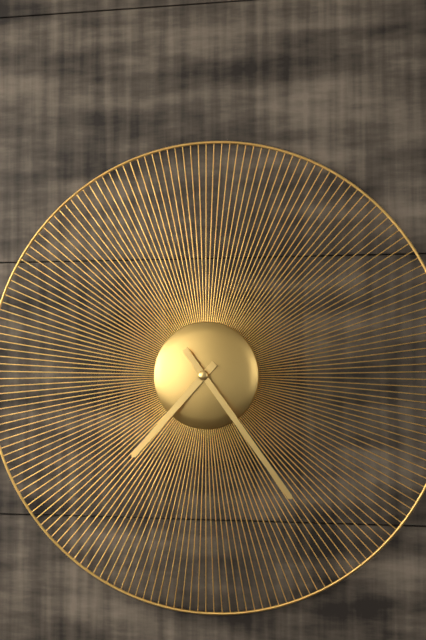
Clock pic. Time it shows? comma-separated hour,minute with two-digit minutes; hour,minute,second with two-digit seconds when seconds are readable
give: 7,24
